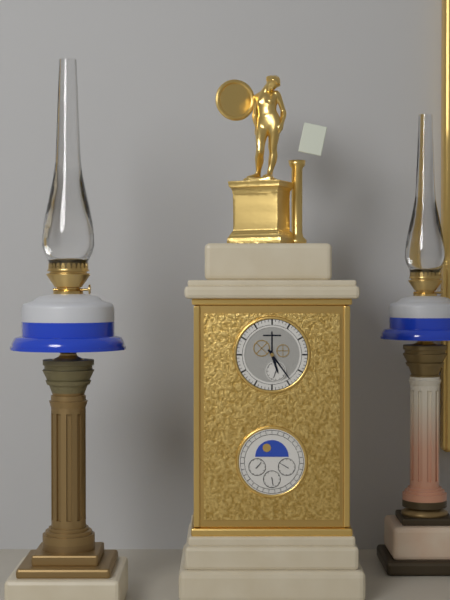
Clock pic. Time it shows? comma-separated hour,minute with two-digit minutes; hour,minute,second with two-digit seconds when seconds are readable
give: 5,24
